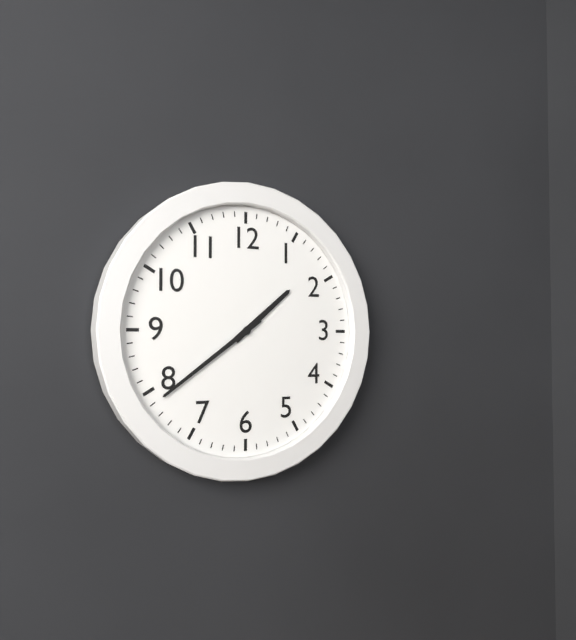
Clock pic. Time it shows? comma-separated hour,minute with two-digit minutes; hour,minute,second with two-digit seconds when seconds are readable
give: 1,39
